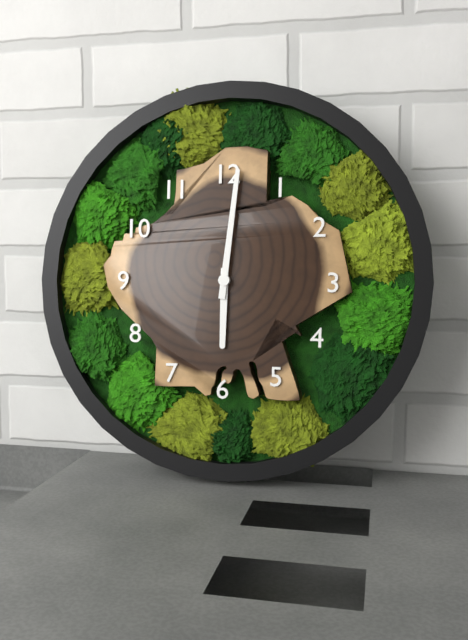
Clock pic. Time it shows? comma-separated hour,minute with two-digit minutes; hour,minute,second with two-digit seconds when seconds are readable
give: 6,01
